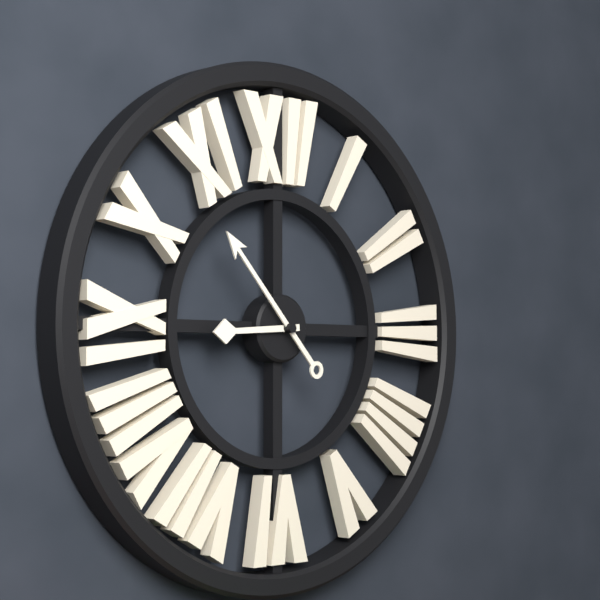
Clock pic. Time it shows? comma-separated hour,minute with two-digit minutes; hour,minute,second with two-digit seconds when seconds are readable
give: 8,53
